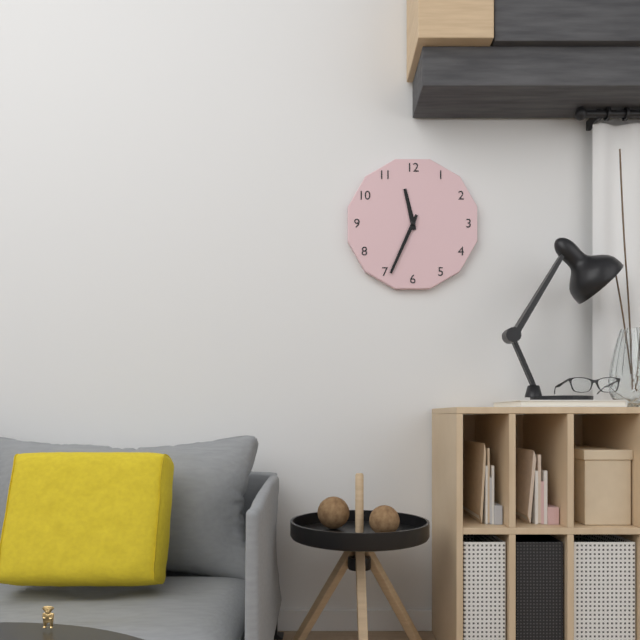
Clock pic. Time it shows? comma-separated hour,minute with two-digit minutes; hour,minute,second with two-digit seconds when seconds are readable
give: 11,34
